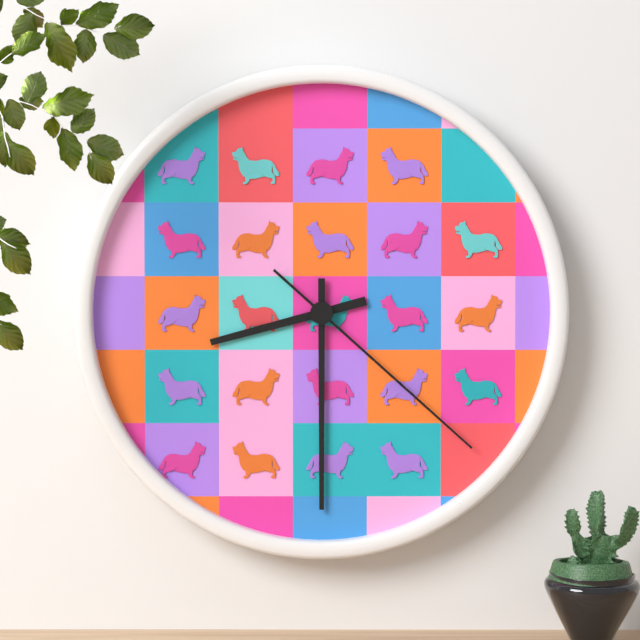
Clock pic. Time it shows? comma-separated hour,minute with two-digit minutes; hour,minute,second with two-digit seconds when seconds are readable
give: 8,30,22
